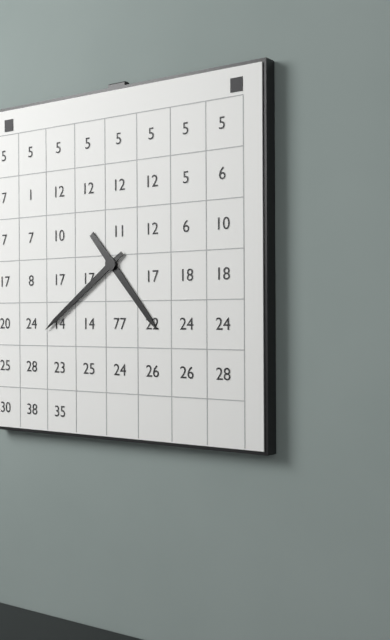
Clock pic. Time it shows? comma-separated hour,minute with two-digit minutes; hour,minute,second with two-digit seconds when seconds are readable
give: 4,39
